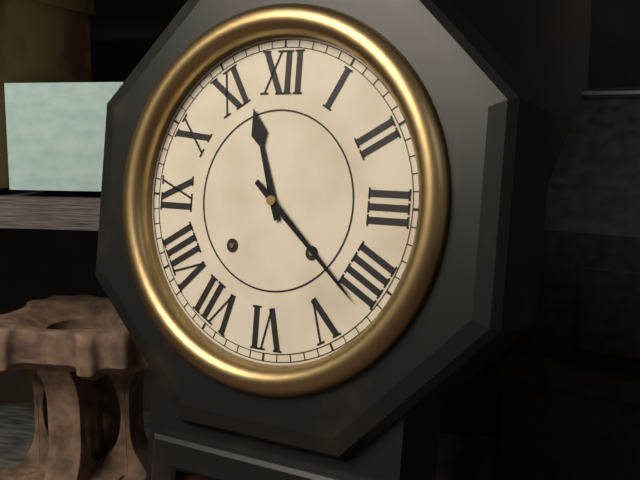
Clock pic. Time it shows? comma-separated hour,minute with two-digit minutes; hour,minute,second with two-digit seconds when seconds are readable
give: 11,22
